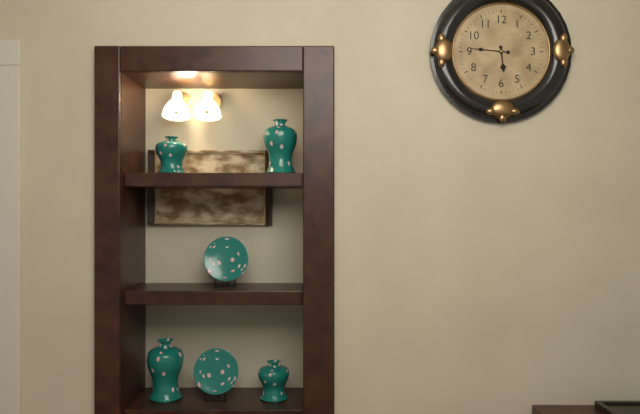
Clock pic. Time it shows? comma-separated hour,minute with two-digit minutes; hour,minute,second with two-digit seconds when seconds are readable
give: 5,46
